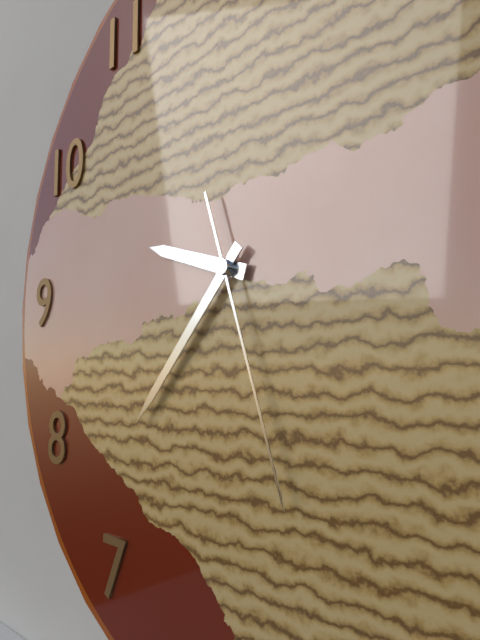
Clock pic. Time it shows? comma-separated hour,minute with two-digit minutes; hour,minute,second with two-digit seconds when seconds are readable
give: 9,37,27
